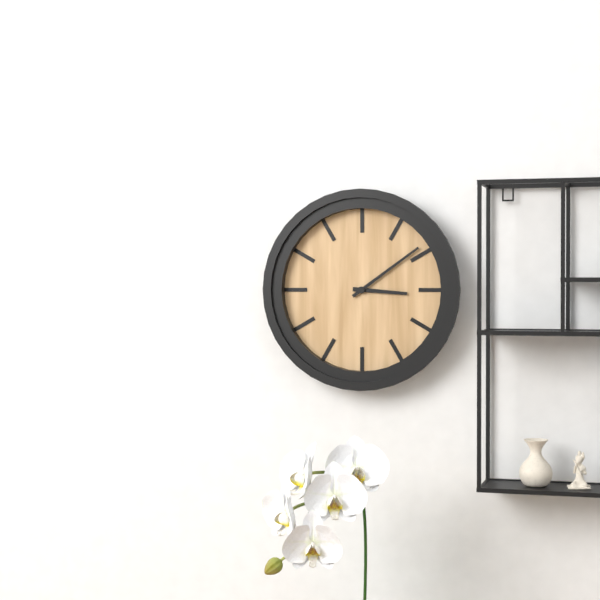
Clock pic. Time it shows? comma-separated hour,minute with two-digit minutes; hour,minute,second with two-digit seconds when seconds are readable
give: 3,09
